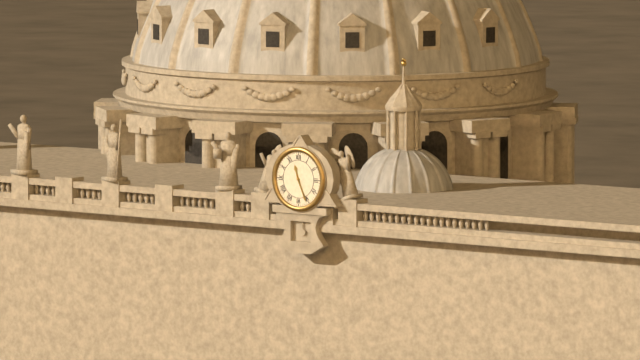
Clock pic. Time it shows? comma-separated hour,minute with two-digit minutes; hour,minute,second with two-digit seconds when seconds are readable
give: 11,26
